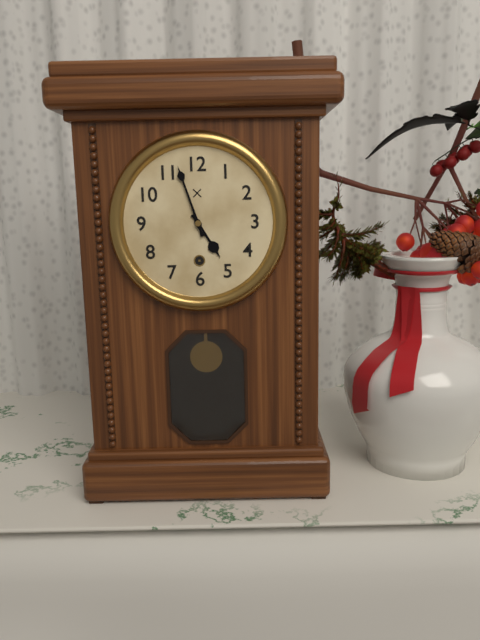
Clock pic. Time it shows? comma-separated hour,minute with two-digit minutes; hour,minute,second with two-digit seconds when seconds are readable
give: 4,57
